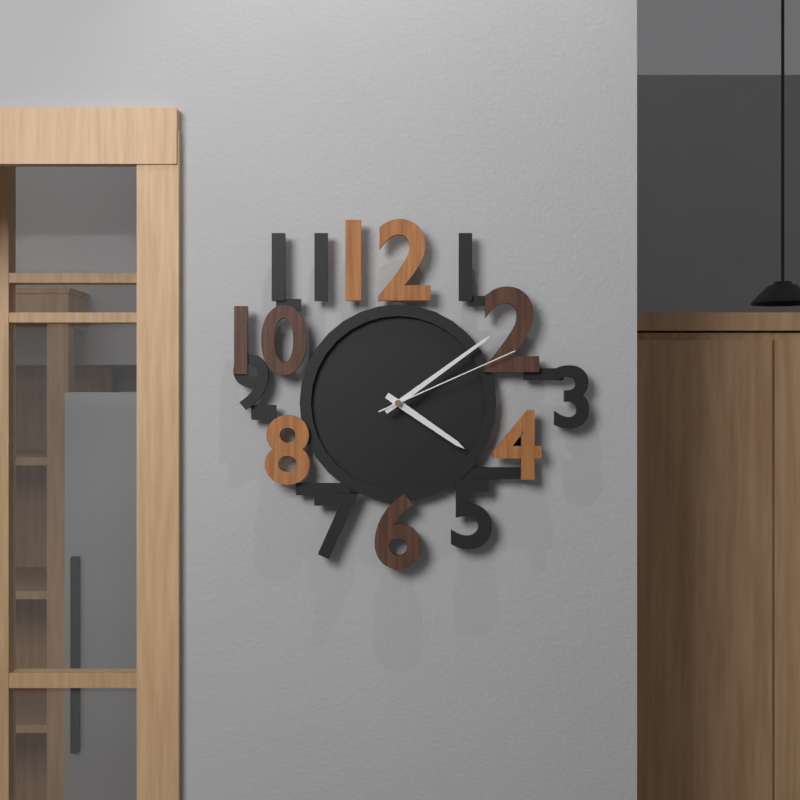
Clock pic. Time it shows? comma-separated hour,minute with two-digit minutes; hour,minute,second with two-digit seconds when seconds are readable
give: 4,09,11
